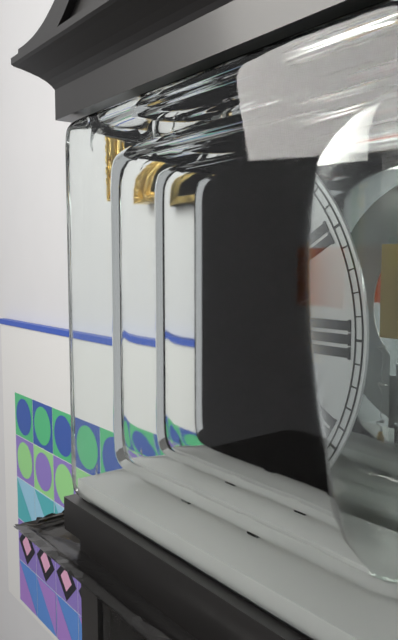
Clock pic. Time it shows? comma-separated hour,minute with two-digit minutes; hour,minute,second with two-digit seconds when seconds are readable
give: 6,57
